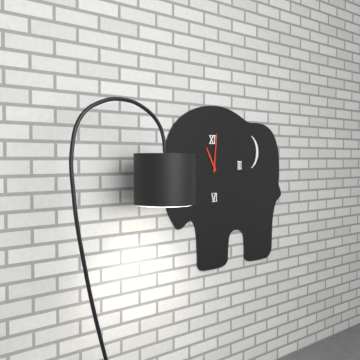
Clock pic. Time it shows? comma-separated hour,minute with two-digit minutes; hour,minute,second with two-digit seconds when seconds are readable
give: 11,01
